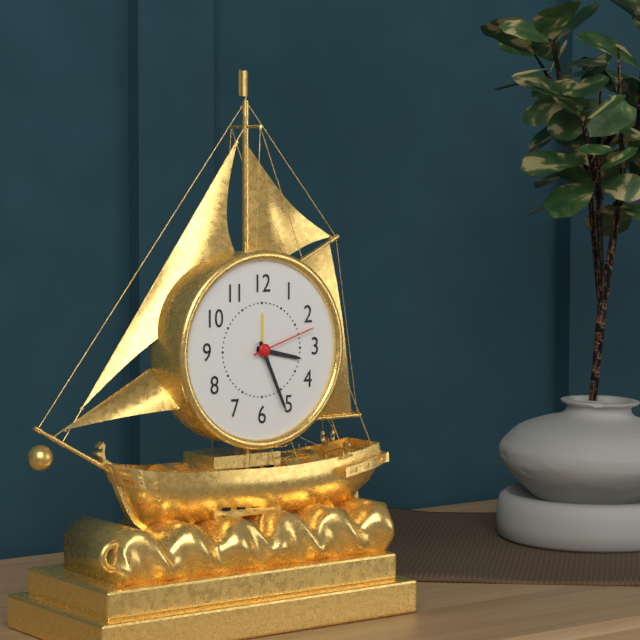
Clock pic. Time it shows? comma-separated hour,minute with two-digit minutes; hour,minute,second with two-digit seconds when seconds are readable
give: 3,26,12
